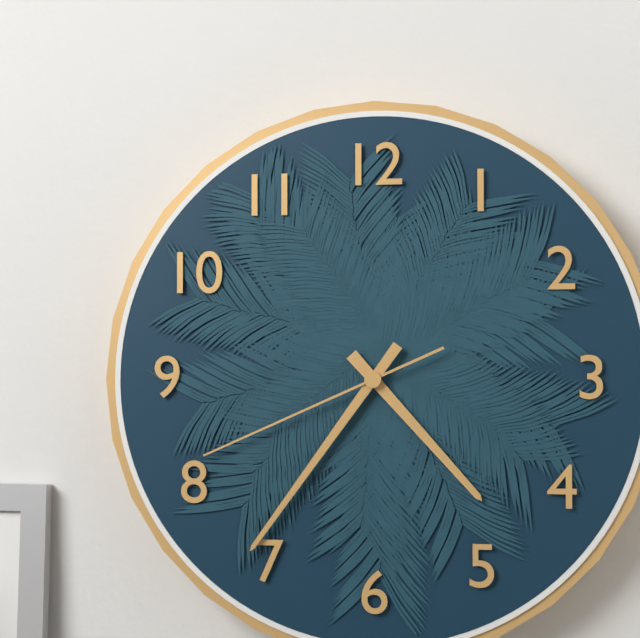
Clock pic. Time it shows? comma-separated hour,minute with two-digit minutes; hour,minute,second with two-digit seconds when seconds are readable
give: 4,36,41
